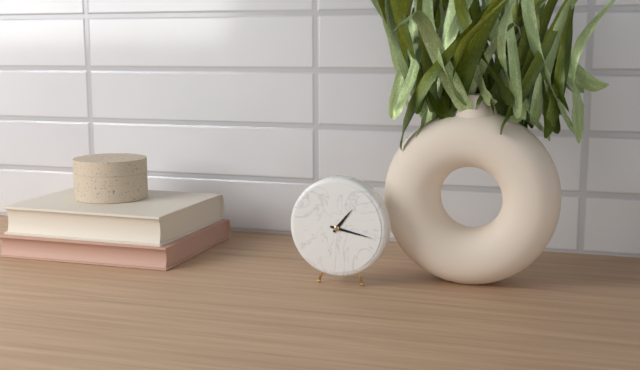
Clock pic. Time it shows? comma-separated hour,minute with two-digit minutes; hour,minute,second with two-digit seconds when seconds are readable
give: 1,17
